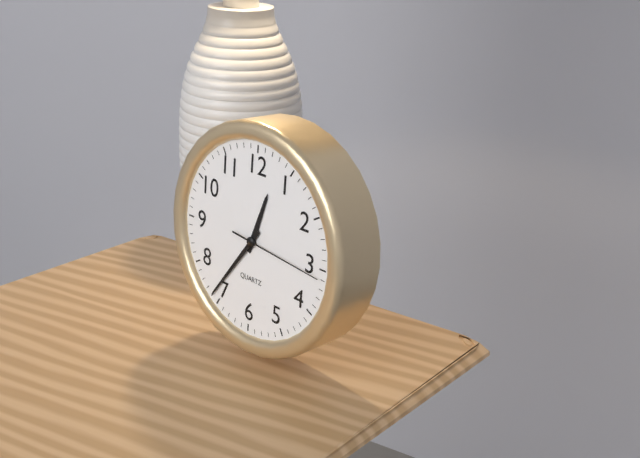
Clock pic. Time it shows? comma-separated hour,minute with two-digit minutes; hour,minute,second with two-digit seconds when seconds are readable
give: 12,36,16
